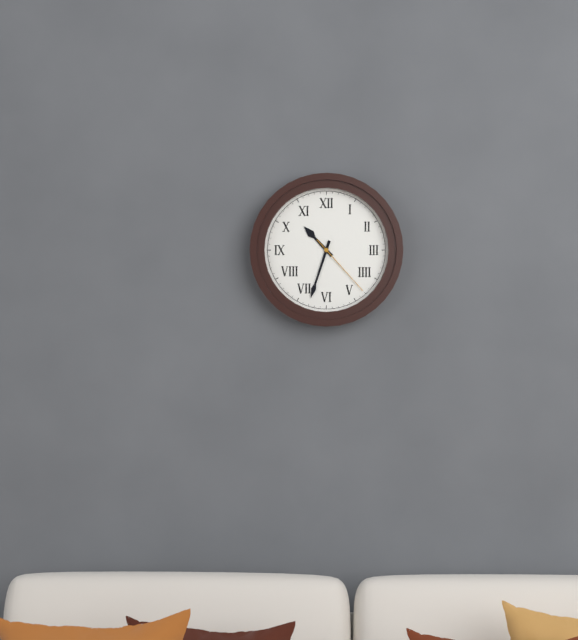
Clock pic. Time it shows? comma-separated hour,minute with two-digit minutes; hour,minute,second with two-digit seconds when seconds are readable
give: 10,33,23
